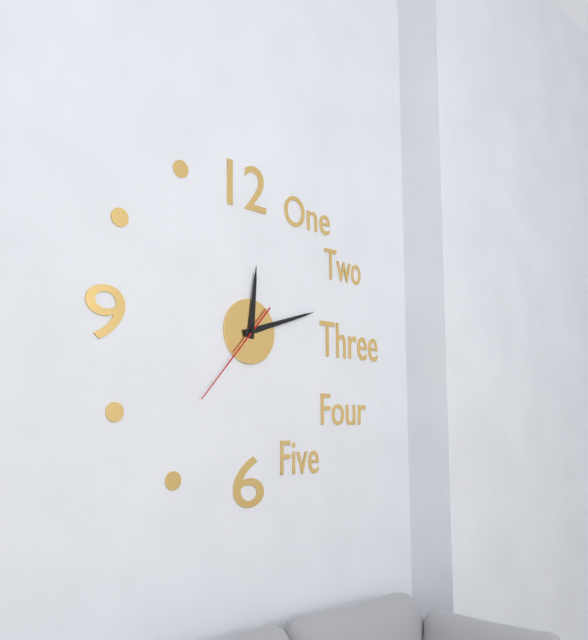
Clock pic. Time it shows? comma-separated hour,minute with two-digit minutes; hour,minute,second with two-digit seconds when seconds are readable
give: 12,12,37
